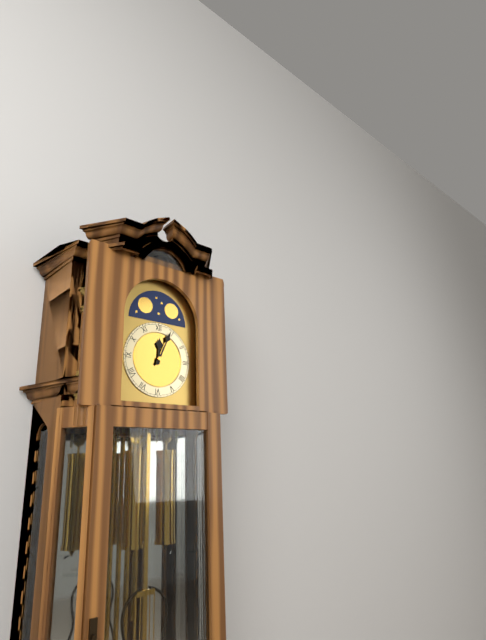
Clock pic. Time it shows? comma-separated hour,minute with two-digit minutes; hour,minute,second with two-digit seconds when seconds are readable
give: 12,04
